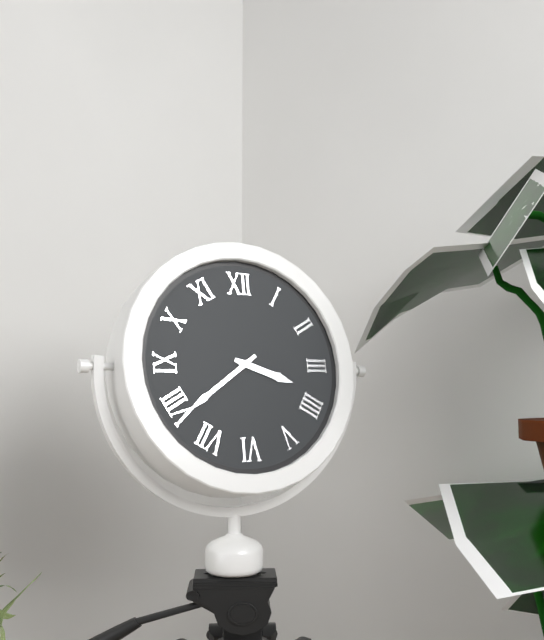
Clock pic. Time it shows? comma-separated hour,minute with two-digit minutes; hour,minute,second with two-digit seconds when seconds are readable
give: 3,39
